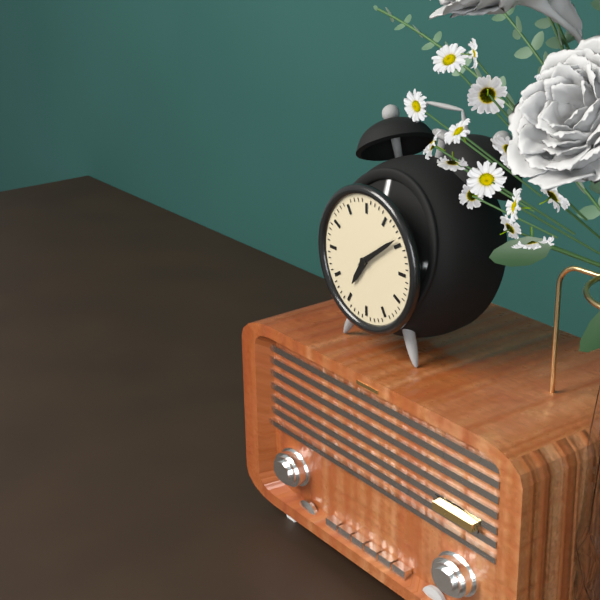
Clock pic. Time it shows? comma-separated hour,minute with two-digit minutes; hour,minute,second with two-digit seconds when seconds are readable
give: 7,09
